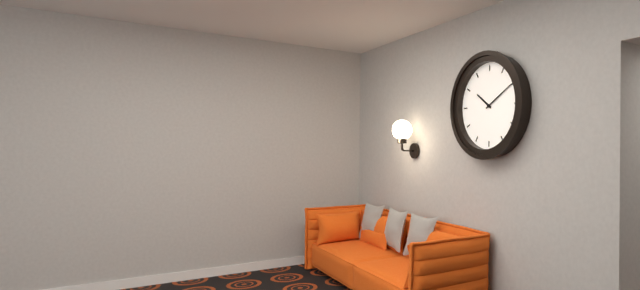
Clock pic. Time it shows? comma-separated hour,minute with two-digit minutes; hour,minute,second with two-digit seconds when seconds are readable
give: 10,10
